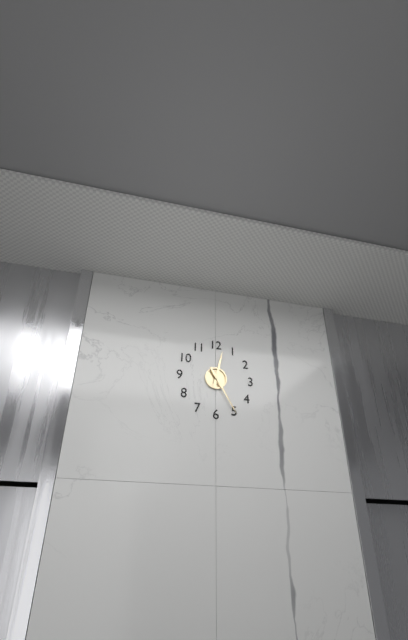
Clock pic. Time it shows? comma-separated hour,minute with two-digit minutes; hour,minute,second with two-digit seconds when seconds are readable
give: 12,25
